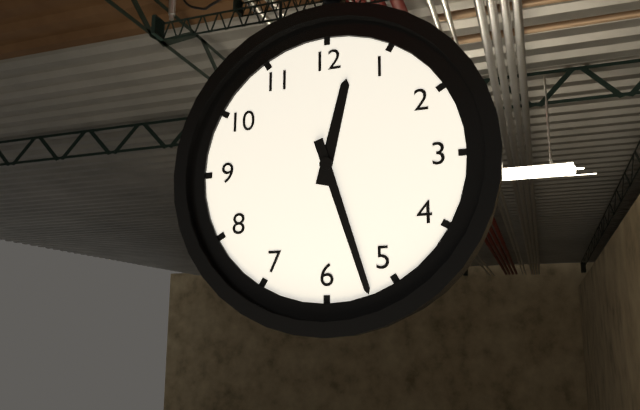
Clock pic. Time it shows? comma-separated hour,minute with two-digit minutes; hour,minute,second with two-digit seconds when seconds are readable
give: 12,27
